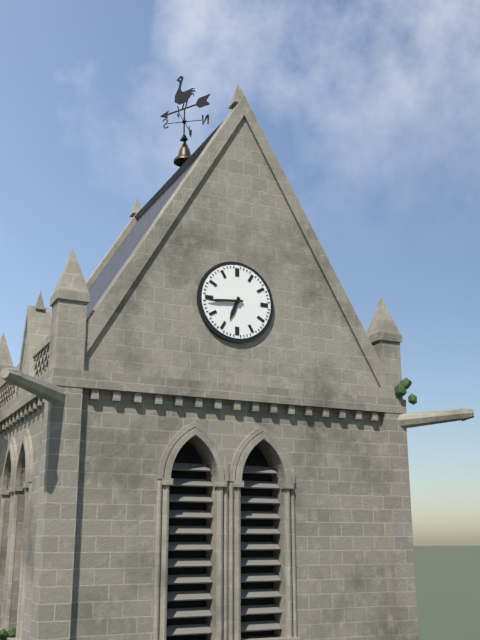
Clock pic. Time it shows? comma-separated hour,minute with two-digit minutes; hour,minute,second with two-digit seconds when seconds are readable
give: 6,44
